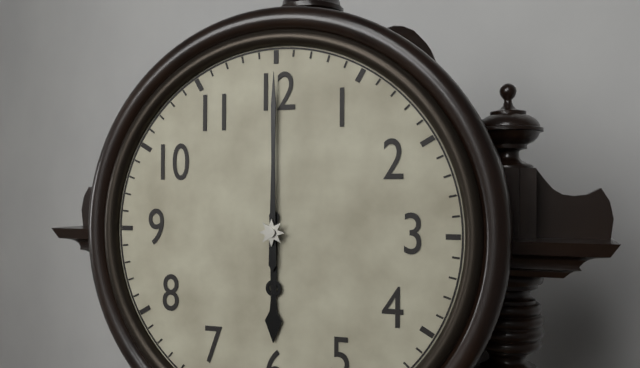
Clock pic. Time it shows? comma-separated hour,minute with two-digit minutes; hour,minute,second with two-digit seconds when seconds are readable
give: 6,00
